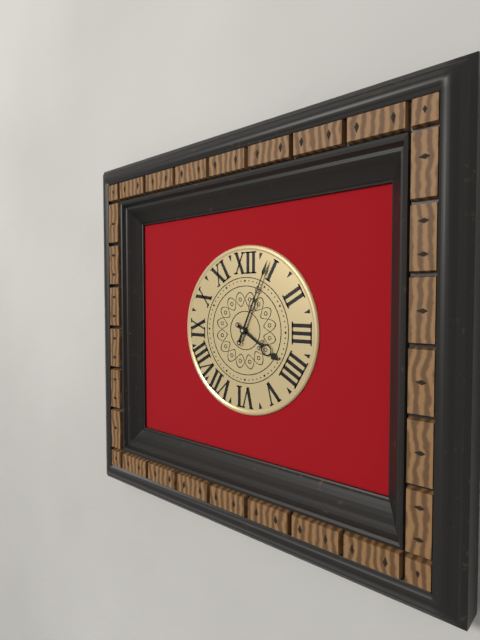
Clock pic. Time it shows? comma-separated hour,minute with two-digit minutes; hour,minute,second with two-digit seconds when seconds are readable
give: 4,04
